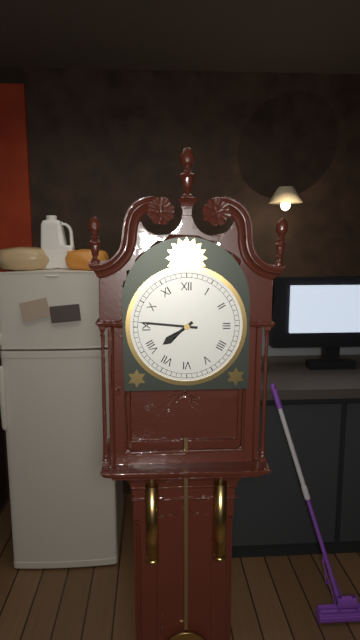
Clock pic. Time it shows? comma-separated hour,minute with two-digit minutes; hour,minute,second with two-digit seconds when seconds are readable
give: 7,46
